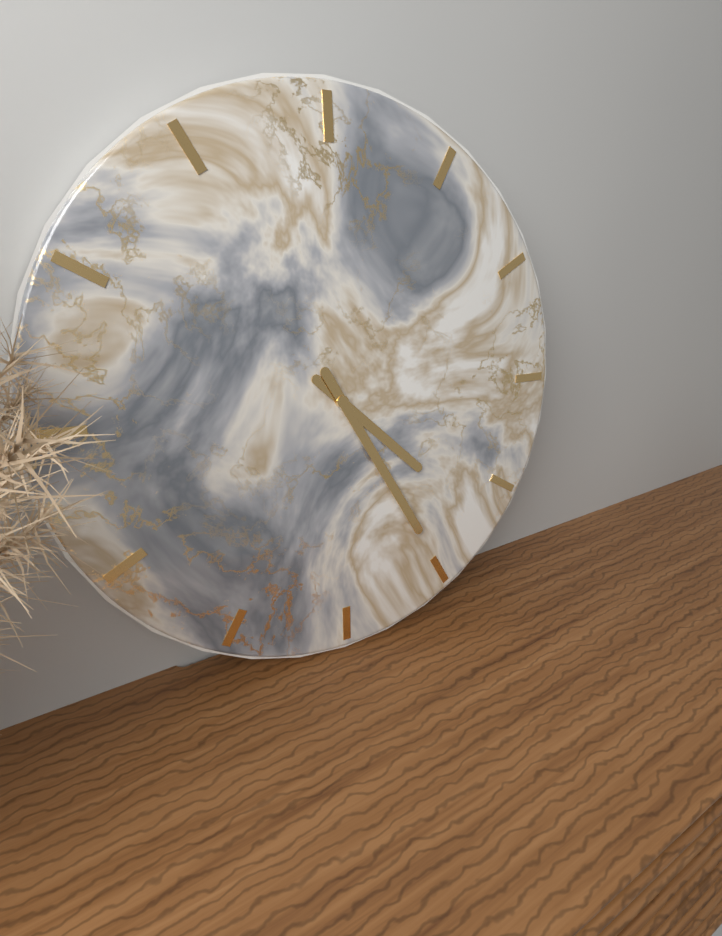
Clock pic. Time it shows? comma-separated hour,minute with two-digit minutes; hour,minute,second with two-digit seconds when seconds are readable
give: 4,25
